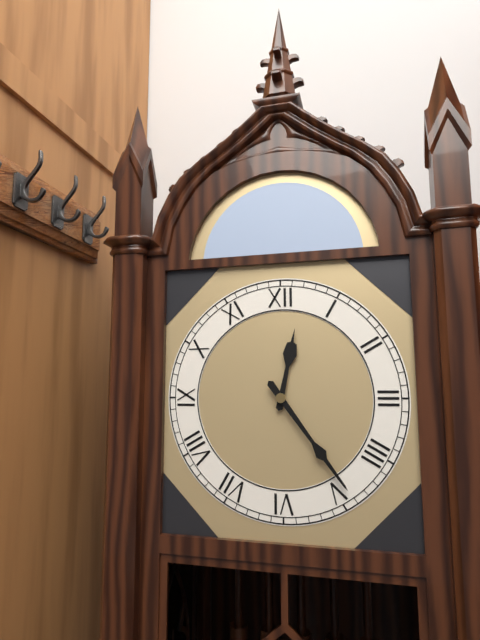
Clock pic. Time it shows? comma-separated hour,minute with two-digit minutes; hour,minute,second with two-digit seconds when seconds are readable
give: 12,24
